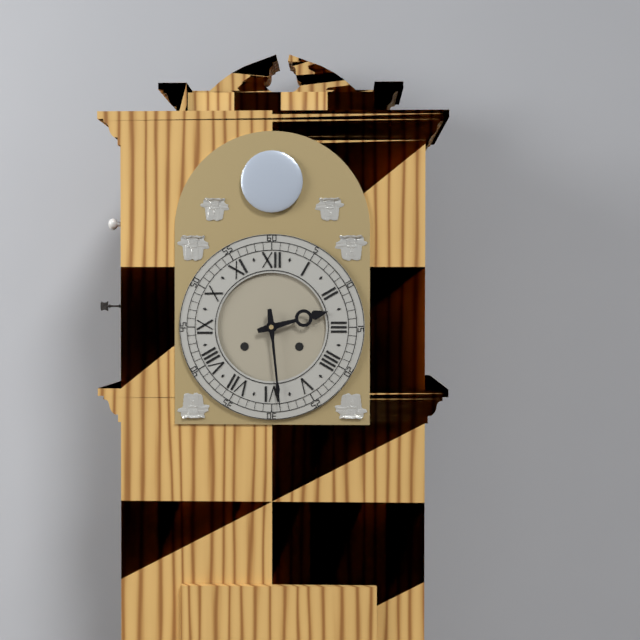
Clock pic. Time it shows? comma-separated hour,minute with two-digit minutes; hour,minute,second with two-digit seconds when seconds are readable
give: 2,29
